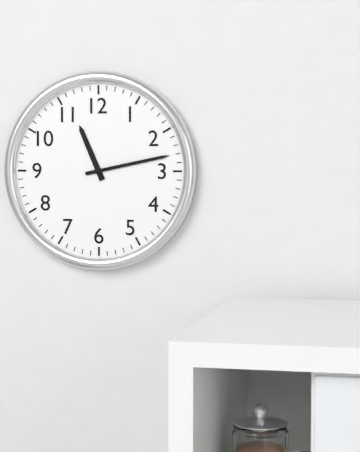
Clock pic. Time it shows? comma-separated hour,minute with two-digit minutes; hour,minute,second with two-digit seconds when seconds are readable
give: 11,13
